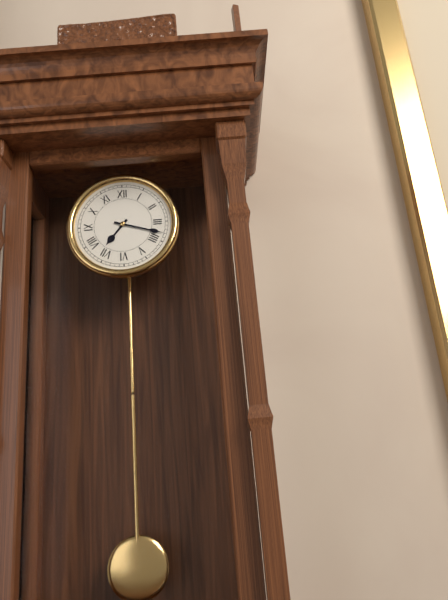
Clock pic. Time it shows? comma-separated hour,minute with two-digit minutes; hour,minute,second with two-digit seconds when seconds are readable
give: 7,18
